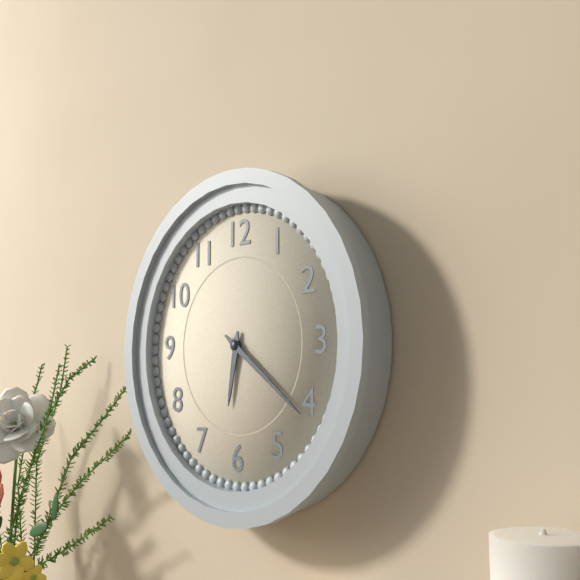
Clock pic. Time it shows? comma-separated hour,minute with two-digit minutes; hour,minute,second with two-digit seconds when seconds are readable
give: 6,21
